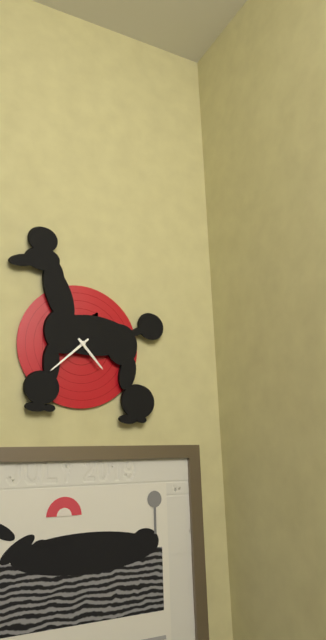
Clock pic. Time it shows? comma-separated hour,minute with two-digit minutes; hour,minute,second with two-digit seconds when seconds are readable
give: 4,38
